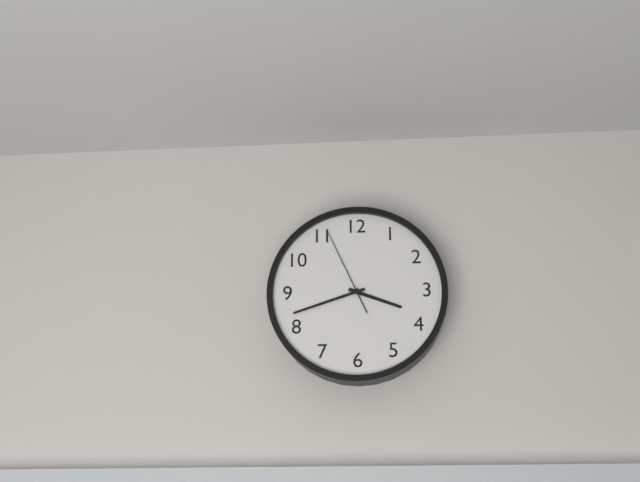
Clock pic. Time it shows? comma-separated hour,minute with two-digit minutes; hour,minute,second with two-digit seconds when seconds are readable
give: 3,42,56
